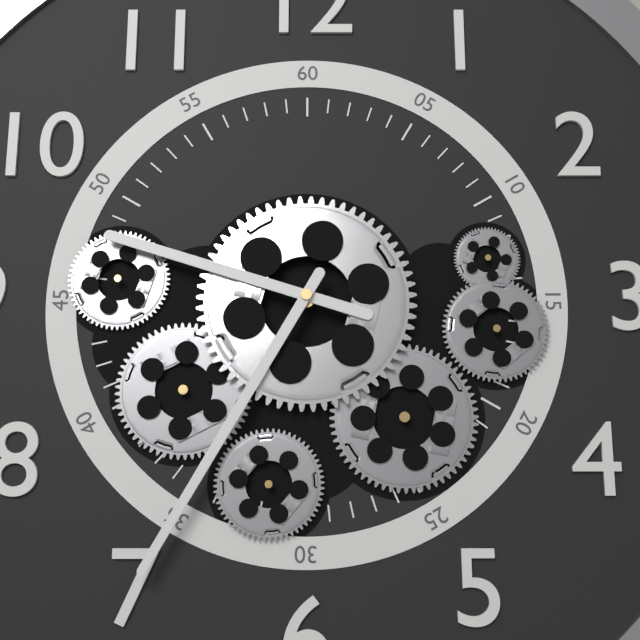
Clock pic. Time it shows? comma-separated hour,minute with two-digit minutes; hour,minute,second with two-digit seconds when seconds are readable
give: 9,35
